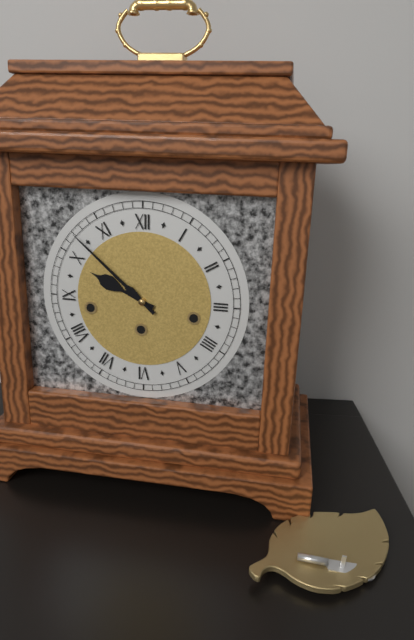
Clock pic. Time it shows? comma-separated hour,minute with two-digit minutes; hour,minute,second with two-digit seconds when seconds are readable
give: 9,52
